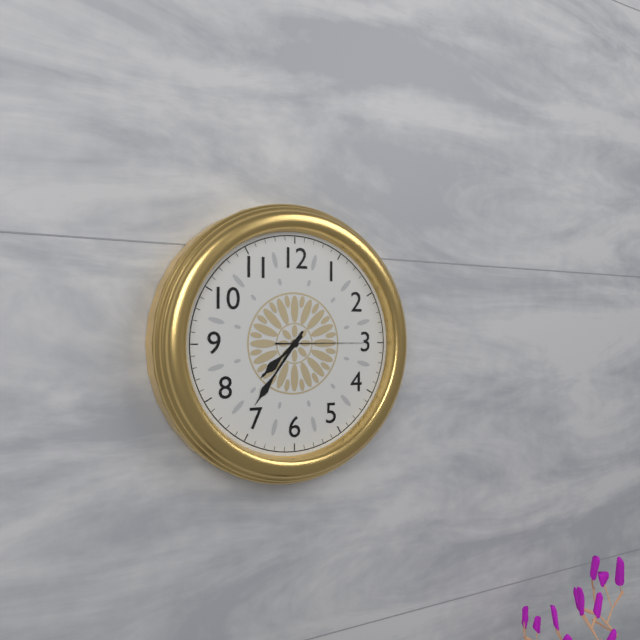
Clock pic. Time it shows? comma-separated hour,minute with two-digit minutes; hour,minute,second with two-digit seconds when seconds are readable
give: 7,36,15
